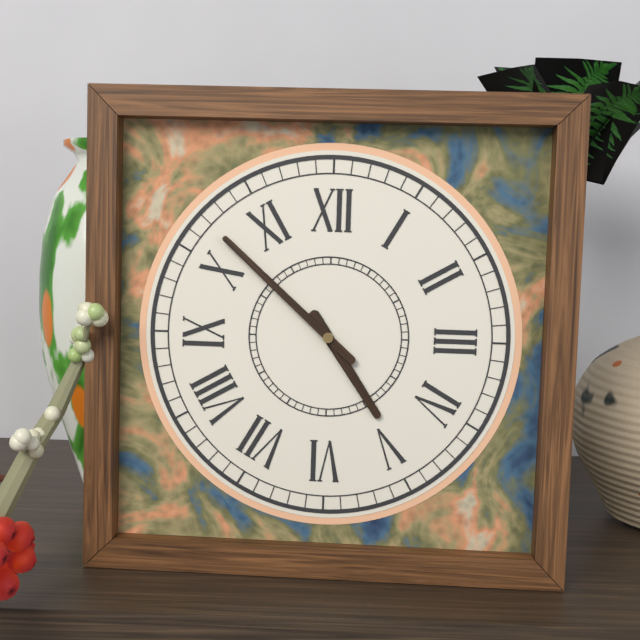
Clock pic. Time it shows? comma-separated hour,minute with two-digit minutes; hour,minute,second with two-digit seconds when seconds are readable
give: 4,52
